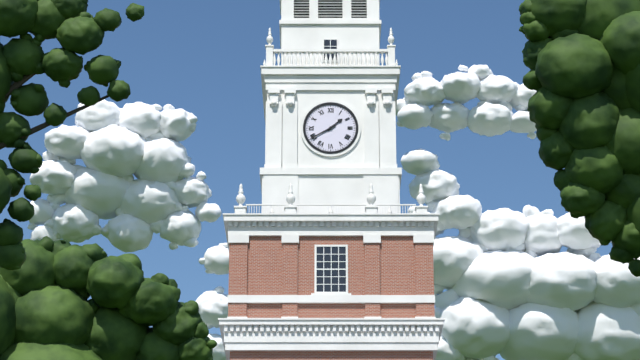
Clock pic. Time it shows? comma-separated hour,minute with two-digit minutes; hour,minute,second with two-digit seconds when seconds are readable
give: 1,40
